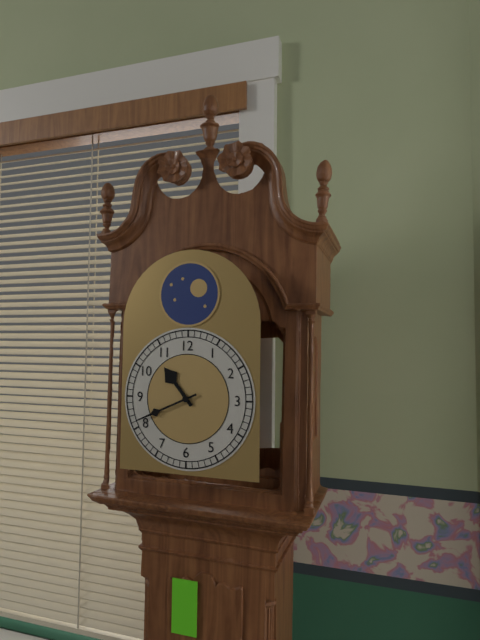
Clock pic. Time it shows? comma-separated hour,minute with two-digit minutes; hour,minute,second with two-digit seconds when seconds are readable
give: 10,41
